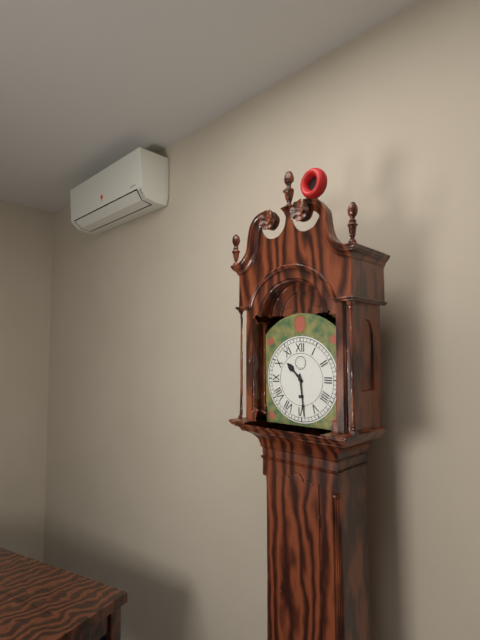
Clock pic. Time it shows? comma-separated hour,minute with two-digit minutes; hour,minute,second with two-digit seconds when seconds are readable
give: 10,29
